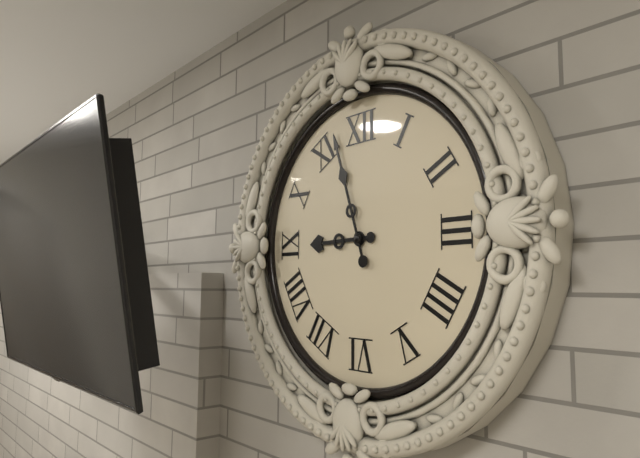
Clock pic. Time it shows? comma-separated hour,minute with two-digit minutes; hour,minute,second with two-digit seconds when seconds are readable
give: 8,57
